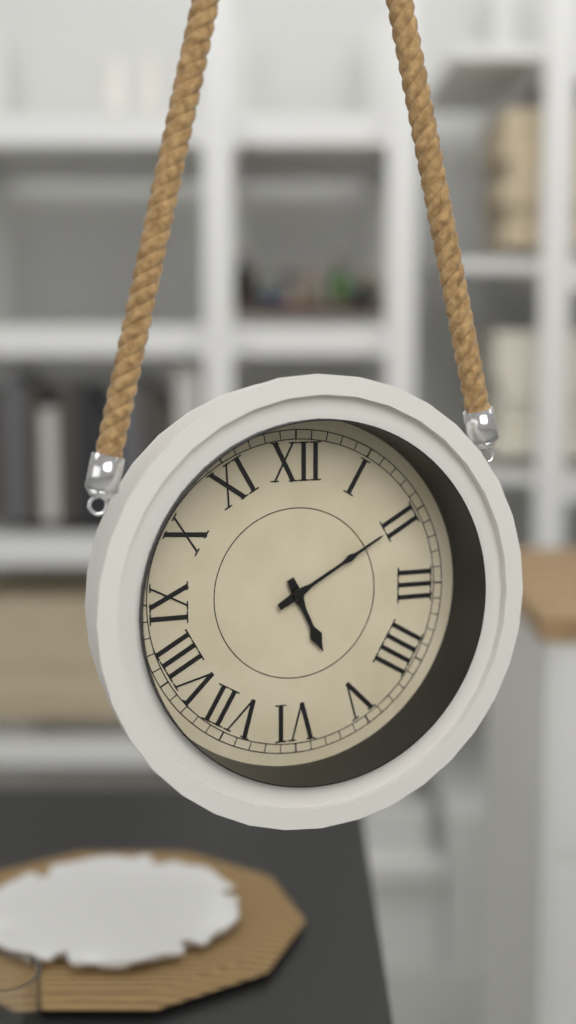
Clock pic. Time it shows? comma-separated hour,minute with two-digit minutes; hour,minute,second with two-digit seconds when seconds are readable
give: 5,10
